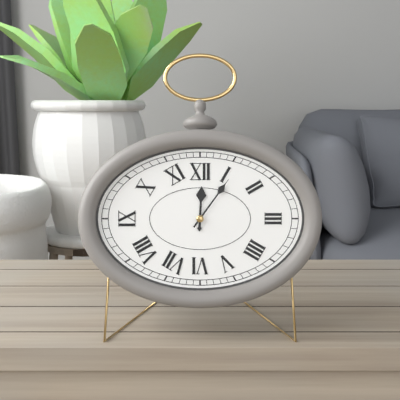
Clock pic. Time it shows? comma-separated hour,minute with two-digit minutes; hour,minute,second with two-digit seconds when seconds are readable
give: 12,06
